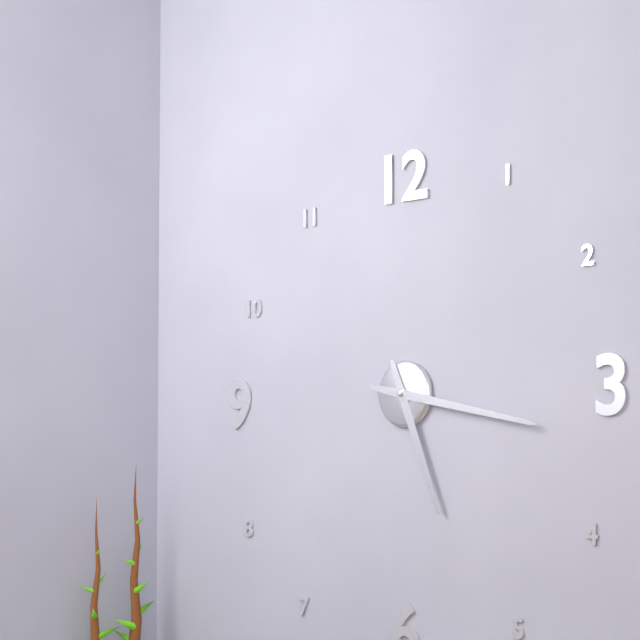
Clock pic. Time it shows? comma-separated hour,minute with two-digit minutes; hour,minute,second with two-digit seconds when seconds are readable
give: 5,17
